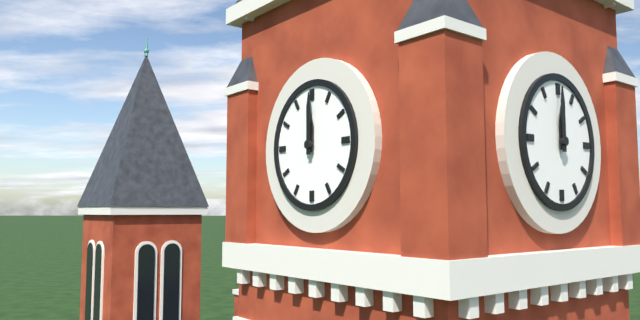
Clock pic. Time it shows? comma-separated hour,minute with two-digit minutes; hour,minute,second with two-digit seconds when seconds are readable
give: 12,00
